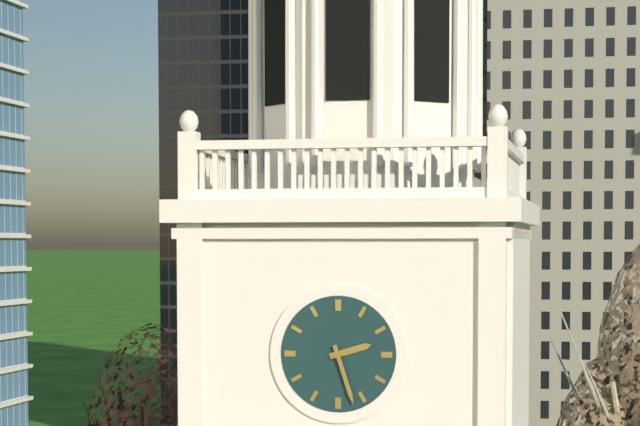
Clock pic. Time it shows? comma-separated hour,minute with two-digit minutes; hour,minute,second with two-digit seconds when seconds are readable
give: 2,27
